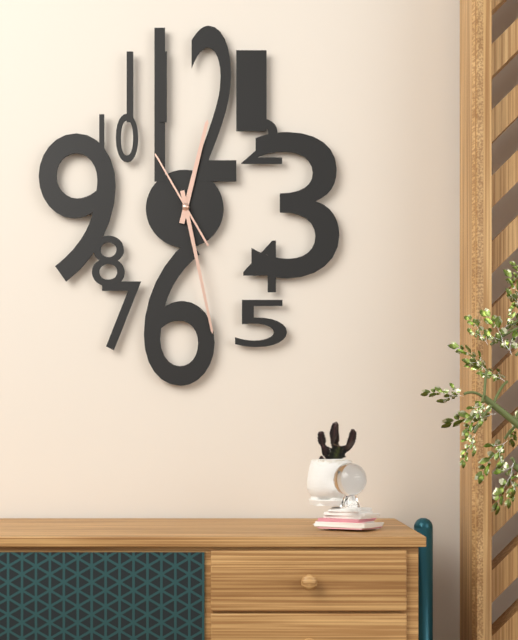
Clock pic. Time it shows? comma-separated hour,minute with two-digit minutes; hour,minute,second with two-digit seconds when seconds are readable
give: 12,28,55
